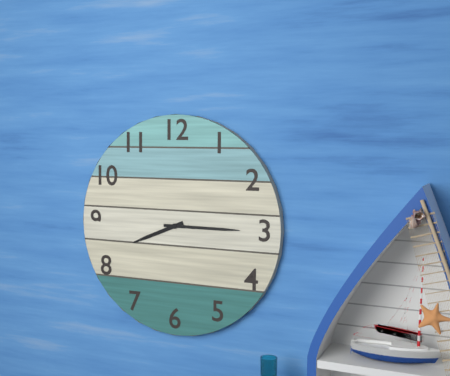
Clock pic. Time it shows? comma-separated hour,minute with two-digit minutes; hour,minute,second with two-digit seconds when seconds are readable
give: 8,15
